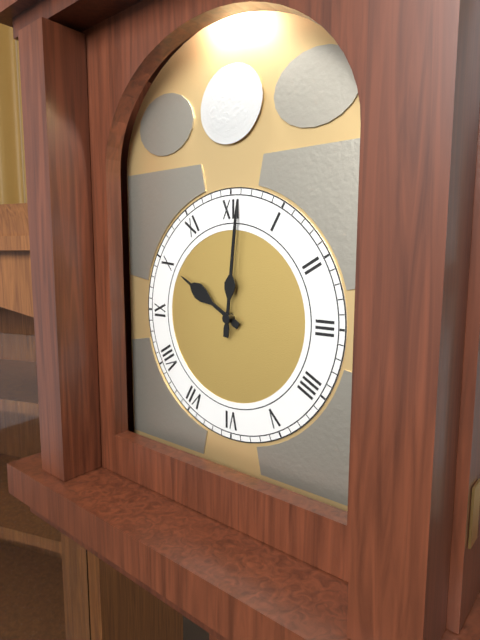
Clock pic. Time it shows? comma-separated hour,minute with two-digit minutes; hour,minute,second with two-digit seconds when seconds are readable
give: 10,01
